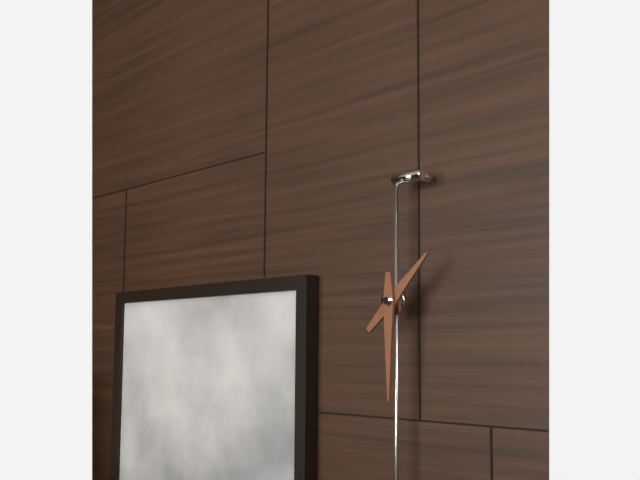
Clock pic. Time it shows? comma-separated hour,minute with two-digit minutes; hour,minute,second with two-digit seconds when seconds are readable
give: 1,30
